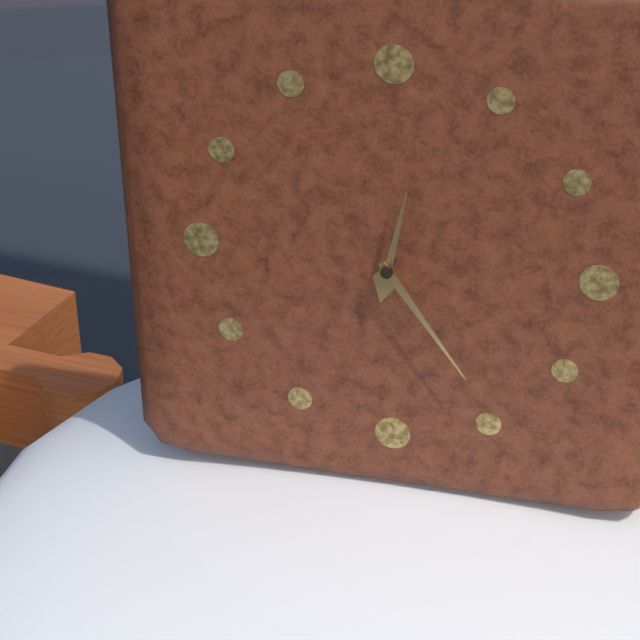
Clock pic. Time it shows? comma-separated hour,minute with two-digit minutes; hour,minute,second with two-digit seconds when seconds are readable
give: 12,24
